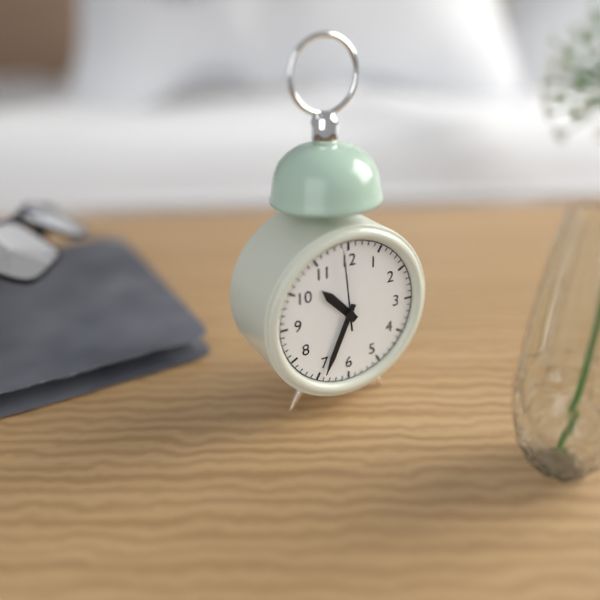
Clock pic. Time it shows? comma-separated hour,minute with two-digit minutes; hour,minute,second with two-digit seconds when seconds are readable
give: 10,34,59
